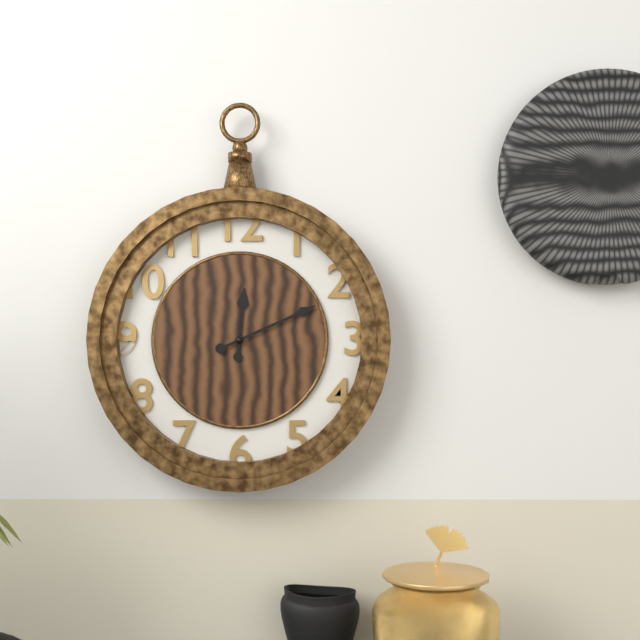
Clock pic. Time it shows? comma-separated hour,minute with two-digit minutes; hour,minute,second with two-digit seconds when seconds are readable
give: 12,11
